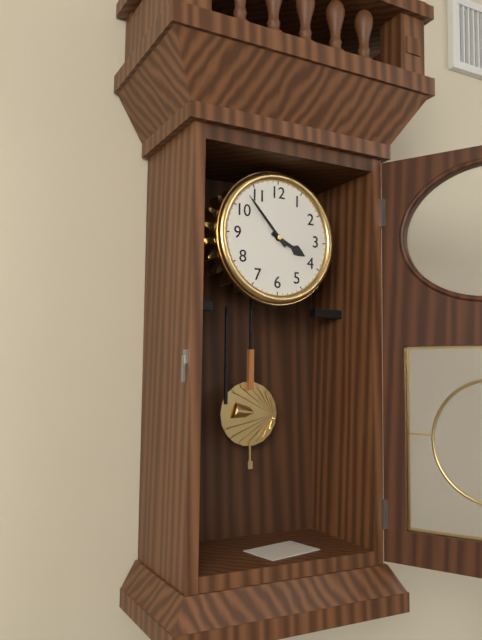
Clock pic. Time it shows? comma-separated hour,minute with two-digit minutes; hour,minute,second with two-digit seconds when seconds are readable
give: 3,53
